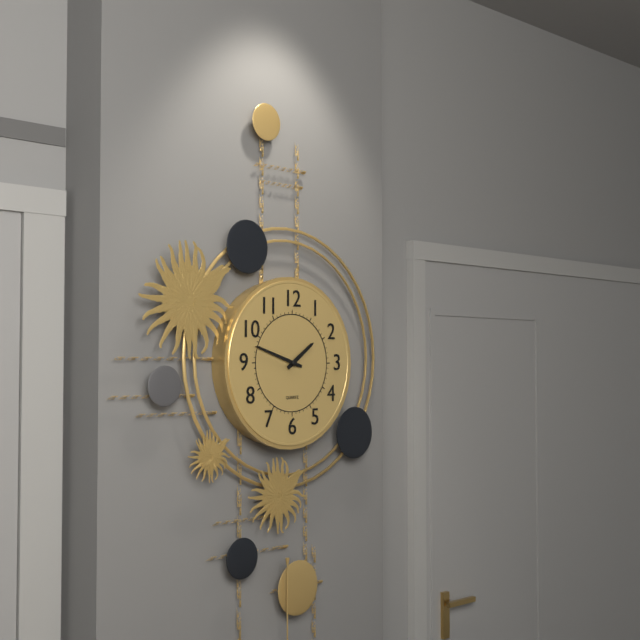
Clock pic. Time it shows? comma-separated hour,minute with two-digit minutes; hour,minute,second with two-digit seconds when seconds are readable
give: 1,48
